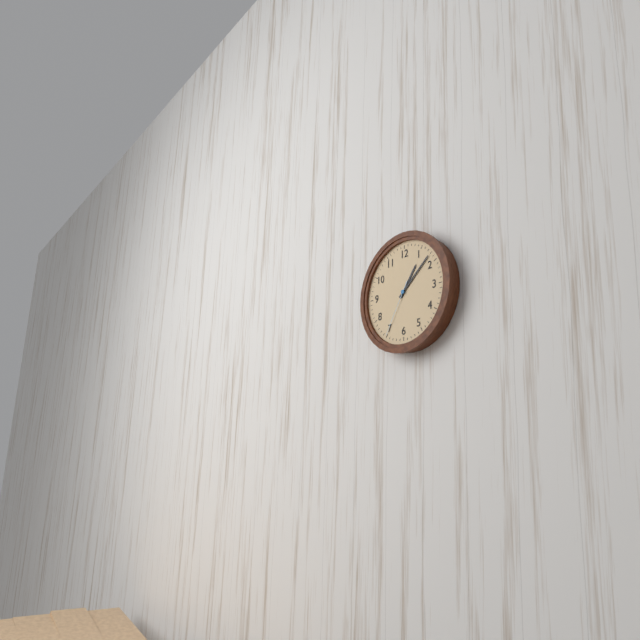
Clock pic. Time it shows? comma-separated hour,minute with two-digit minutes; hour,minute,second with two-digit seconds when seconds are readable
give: 1,08,35
